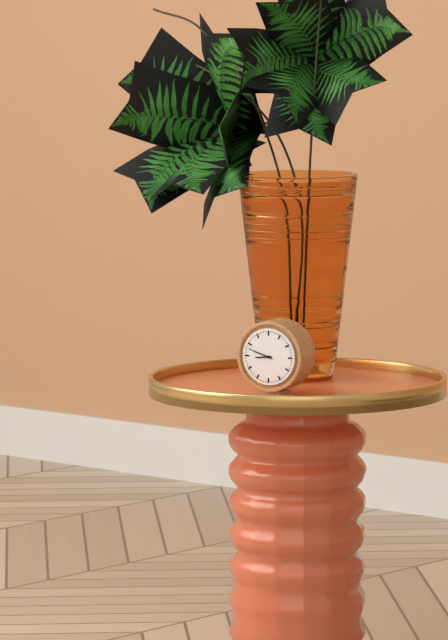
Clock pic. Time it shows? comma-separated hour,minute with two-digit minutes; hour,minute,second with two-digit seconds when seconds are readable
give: 8,48
